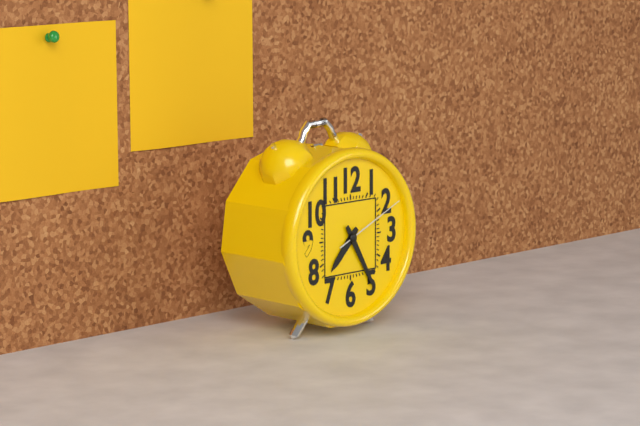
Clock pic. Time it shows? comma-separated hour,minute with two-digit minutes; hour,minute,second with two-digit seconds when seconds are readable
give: 7,25,11
